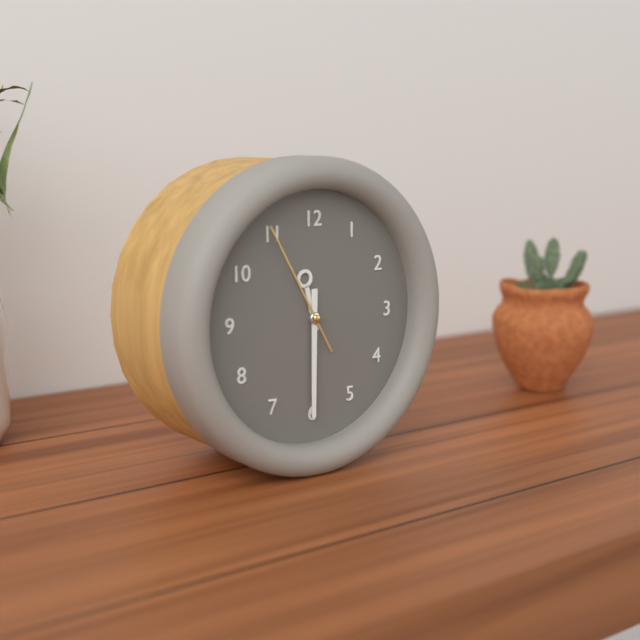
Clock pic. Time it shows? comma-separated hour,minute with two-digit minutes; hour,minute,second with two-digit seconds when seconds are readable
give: 11,30,55
